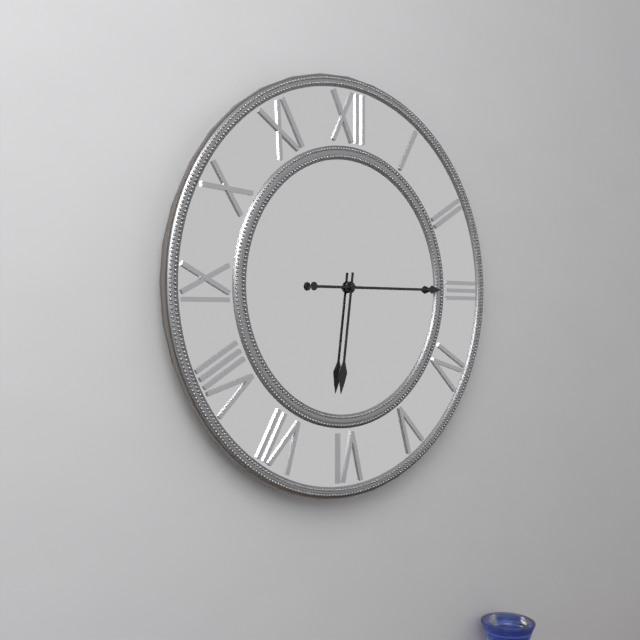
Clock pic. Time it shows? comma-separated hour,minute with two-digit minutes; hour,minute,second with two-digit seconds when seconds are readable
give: 6,15
